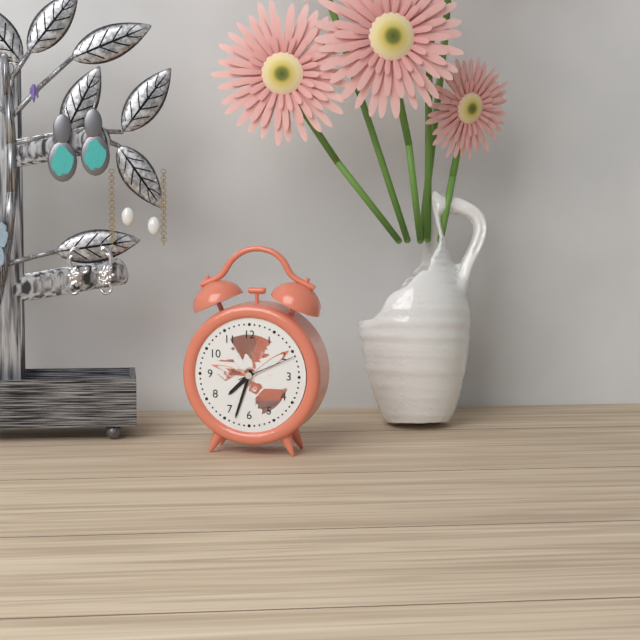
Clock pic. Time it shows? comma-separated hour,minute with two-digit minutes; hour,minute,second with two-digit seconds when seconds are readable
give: 7,33,11
